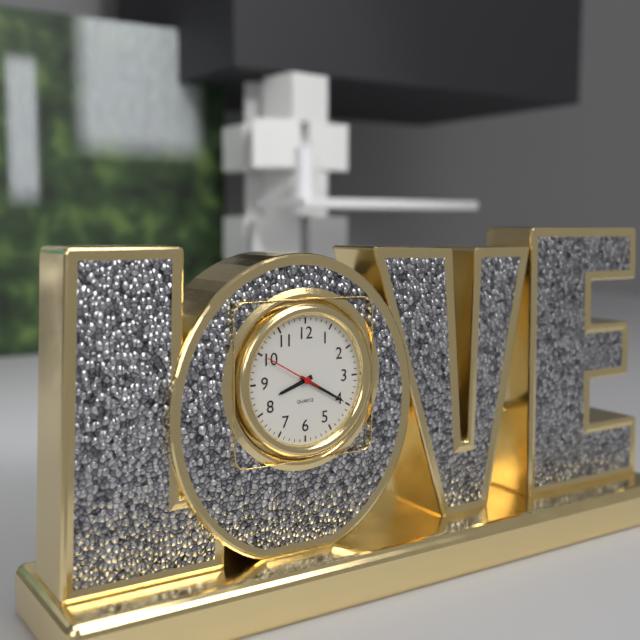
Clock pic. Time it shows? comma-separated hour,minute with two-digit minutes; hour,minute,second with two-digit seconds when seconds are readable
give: 8,20,50
